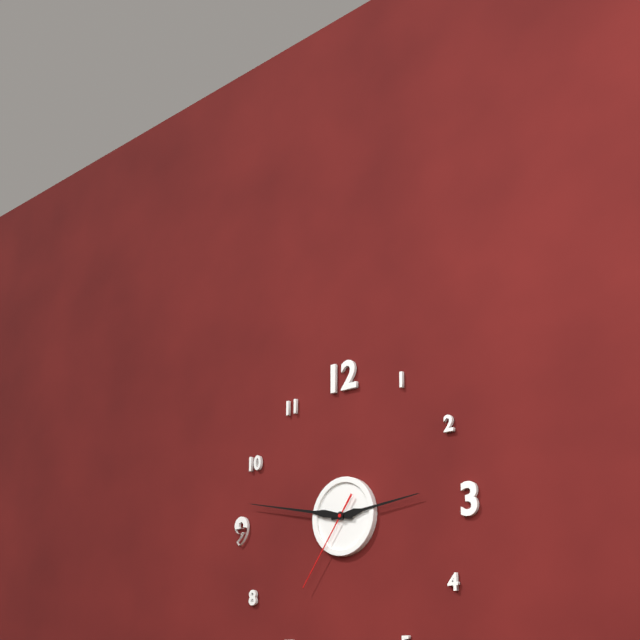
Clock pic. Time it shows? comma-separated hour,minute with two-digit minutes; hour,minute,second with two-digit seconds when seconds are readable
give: 2,47,36
